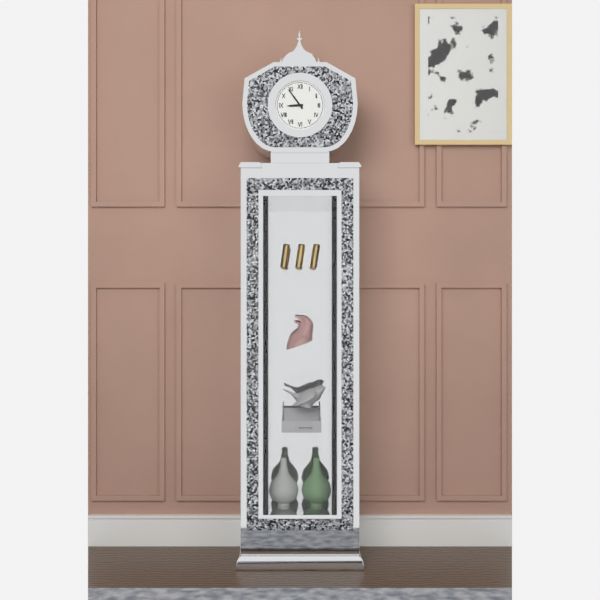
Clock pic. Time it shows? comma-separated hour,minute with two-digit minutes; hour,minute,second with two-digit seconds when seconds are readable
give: 8,54
